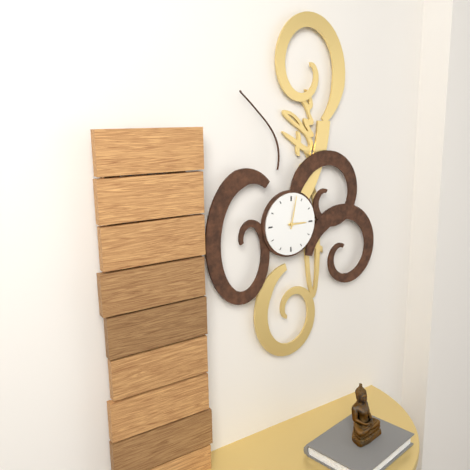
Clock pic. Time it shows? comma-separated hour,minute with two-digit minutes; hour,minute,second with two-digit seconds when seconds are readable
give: 3,02
